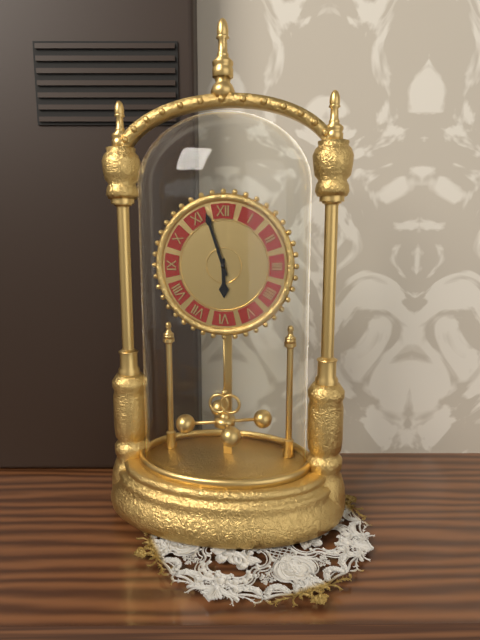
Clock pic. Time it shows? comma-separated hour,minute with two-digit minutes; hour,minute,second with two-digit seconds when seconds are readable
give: 5,57
